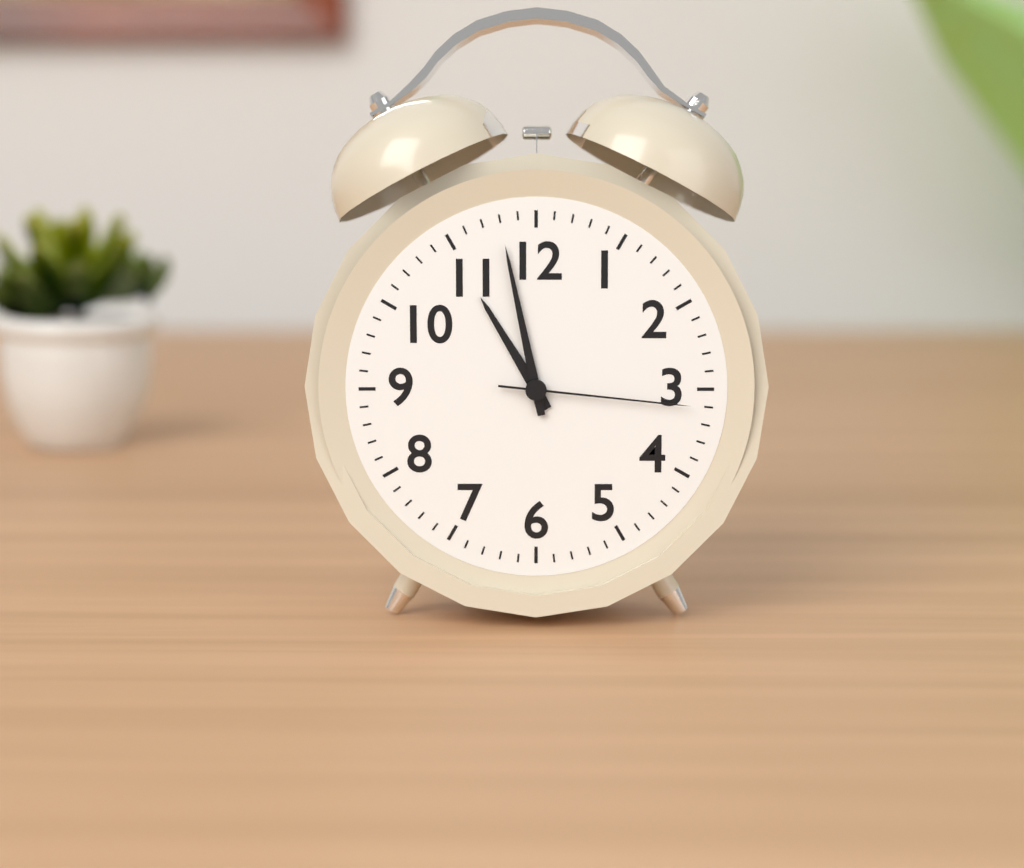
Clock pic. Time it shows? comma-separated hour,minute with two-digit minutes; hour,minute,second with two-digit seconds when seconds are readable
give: 10,58,16
